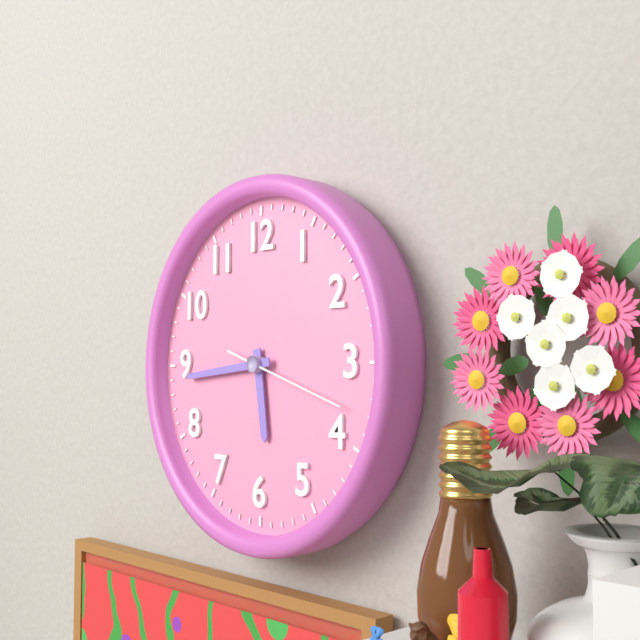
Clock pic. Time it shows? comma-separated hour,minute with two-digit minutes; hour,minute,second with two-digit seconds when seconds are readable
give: 5,44,18
